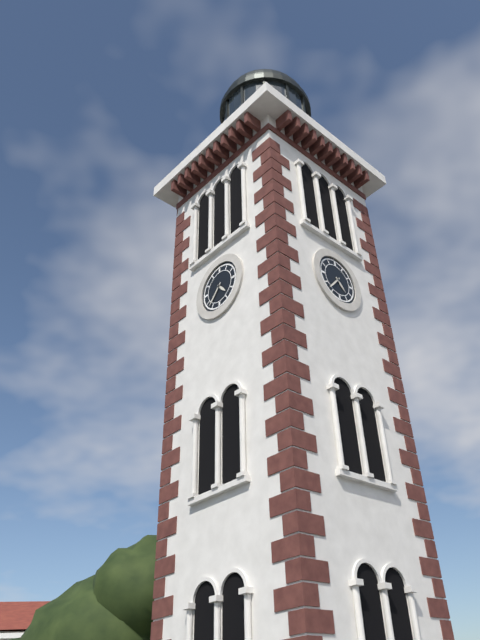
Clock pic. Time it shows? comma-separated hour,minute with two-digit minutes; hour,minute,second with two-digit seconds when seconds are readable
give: 4,37
